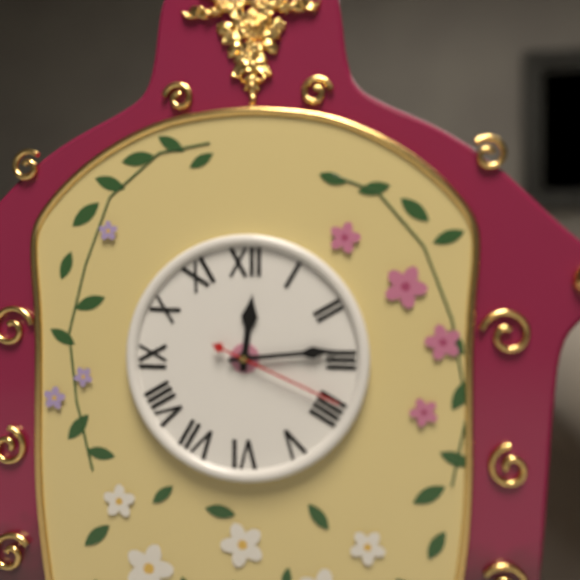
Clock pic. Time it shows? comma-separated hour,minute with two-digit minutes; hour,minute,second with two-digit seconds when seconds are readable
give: 12,14,19
